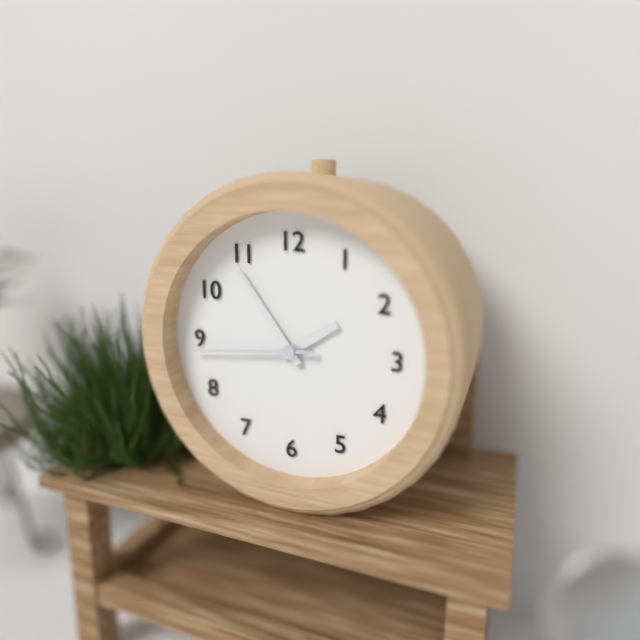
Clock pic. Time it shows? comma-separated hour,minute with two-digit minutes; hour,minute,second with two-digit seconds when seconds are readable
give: 1,54,44
